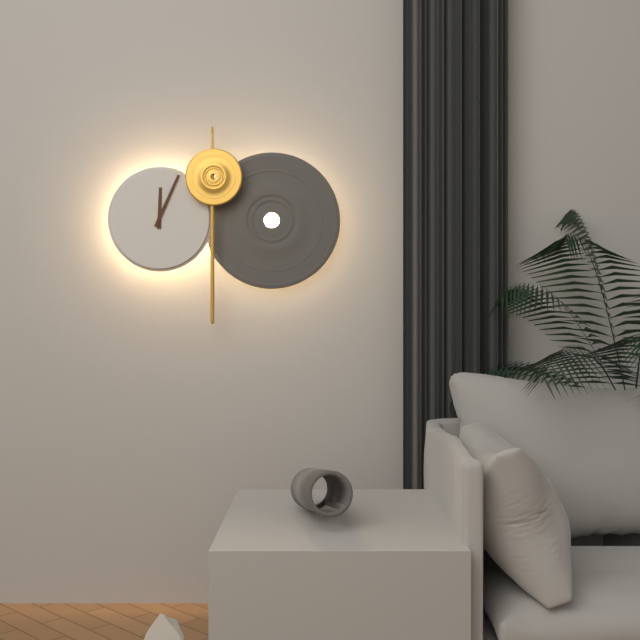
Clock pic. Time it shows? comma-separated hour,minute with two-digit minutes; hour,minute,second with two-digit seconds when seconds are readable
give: 12,04
